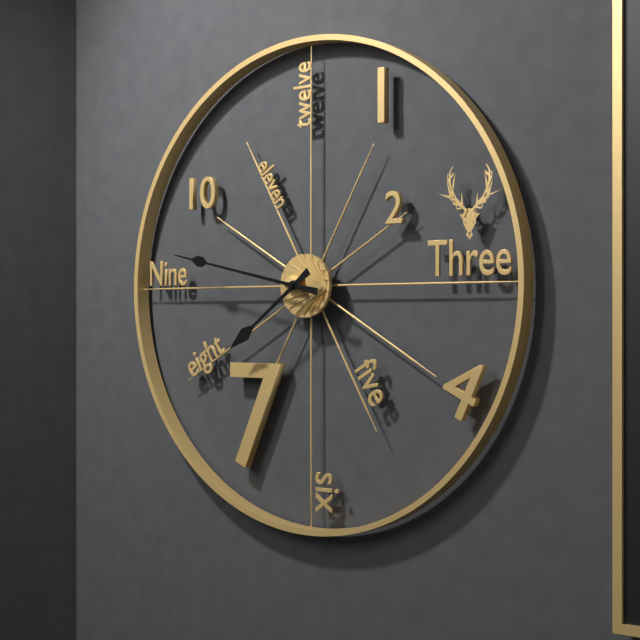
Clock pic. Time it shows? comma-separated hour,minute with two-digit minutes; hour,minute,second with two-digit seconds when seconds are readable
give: 7,47
